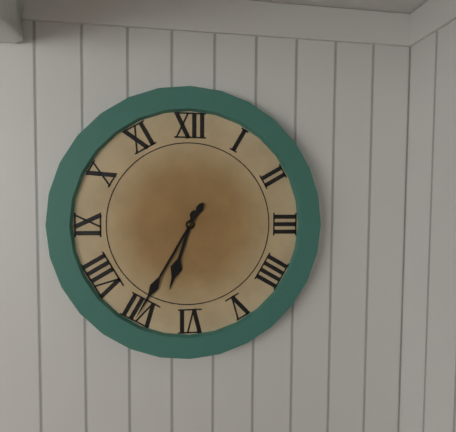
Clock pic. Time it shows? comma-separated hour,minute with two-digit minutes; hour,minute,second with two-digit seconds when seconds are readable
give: 6,35
